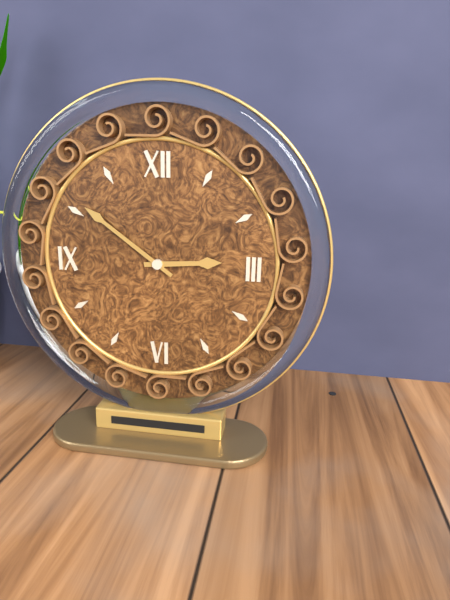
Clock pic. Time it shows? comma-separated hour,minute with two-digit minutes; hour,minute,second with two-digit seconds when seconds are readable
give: 2,51
